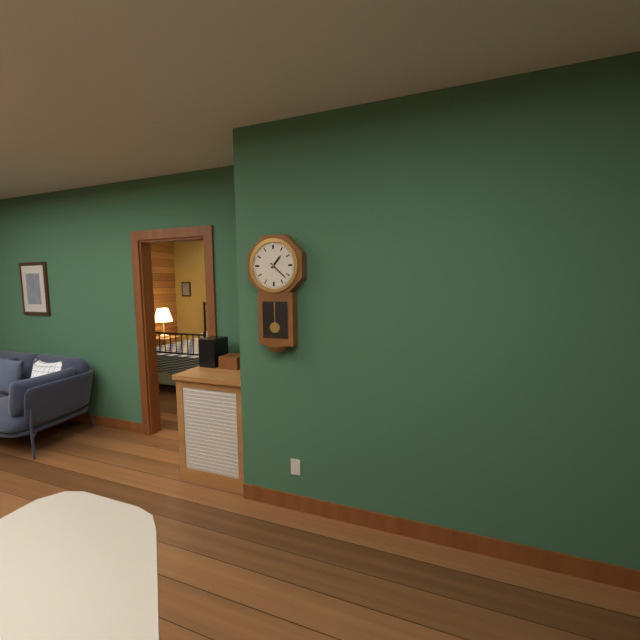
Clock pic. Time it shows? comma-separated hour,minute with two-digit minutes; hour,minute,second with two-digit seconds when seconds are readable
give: 1,22
